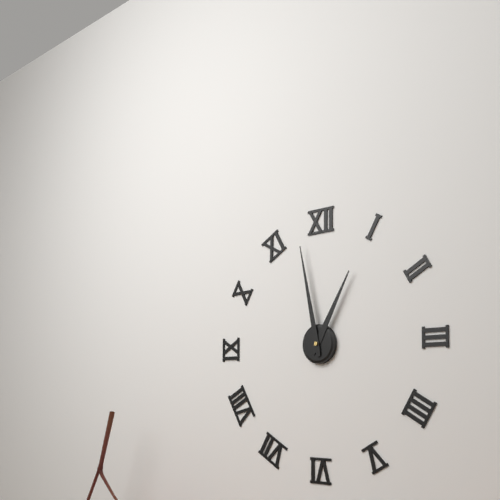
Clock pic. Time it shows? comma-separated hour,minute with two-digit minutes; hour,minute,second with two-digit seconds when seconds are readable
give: 12,58
